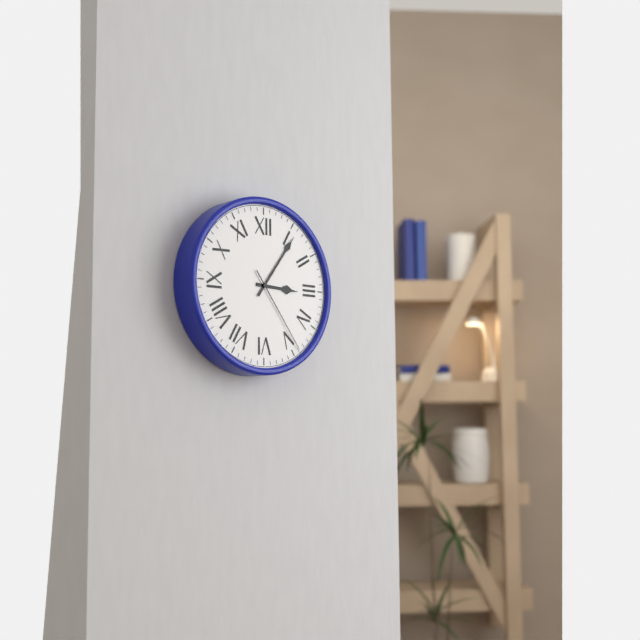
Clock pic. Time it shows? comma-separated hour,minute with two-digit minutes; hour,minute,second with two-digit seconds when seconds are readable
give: 3,06,24
